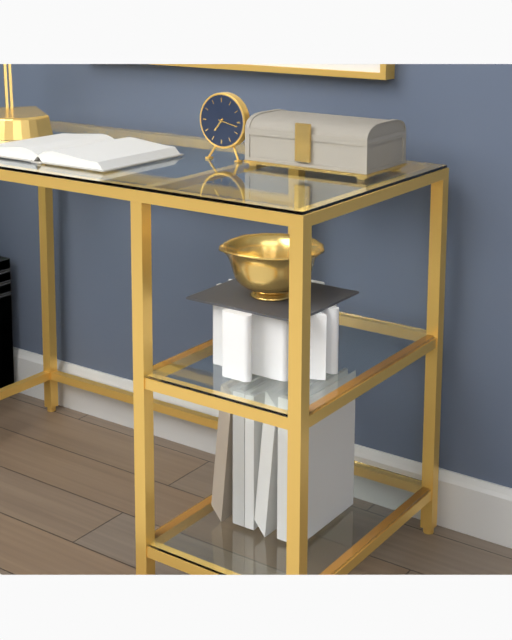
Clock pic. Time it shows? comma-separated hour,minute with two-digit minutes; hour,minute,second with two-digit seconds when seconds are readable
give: 7,17
